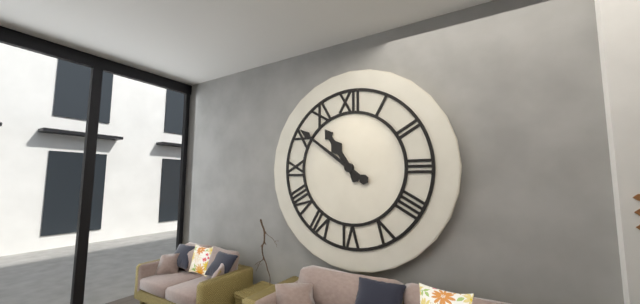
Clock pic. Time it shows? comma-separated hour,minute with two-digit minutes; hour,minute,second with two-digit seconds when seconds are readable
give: 10,51
